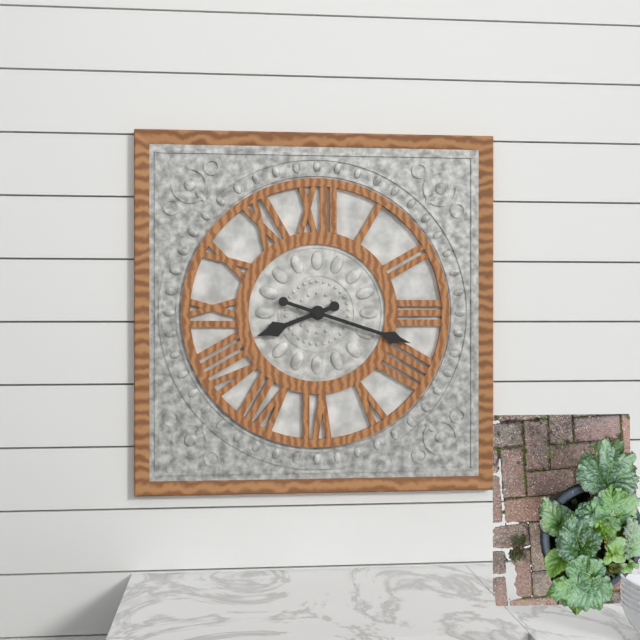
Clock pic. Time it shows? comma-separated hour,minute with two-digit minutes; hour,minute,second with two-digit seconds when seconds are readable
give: 8,18
